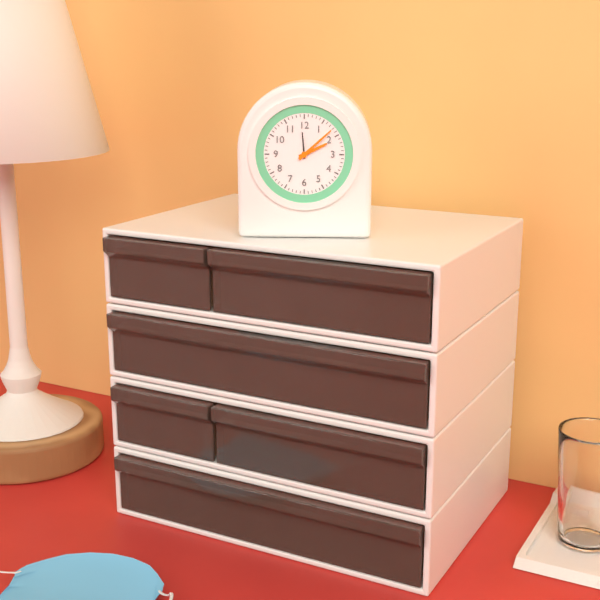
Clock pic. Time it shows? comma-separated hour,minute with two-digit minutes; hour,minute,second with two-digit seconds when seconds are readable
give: 2,08
